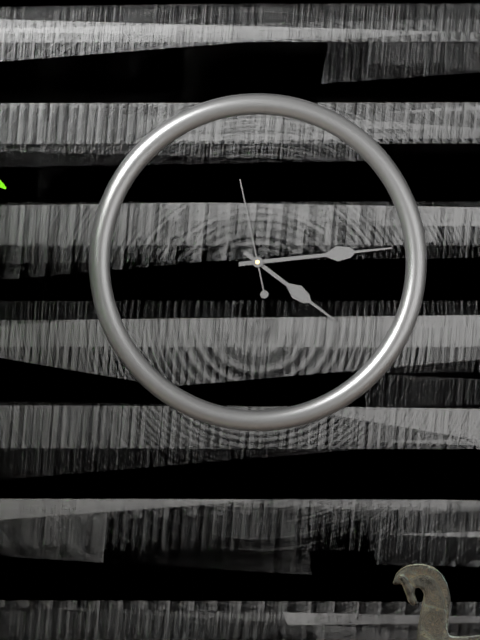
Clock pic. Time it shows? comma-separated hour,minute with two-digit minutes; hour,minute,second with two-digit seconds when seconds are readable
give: 4,14,58
